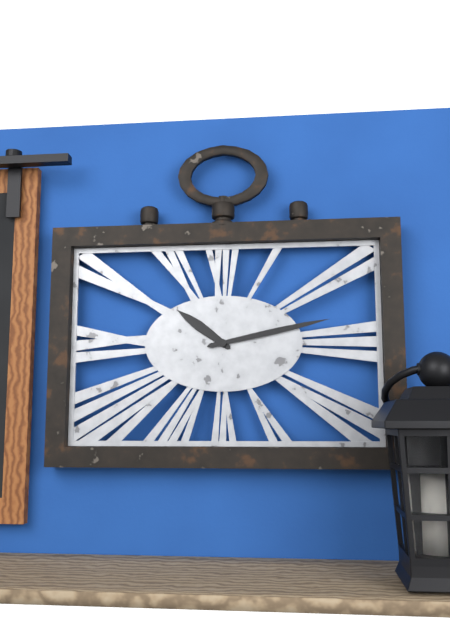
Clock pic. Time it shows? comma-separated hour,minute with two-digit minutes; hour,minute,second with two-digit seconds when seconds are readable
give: 10,13
